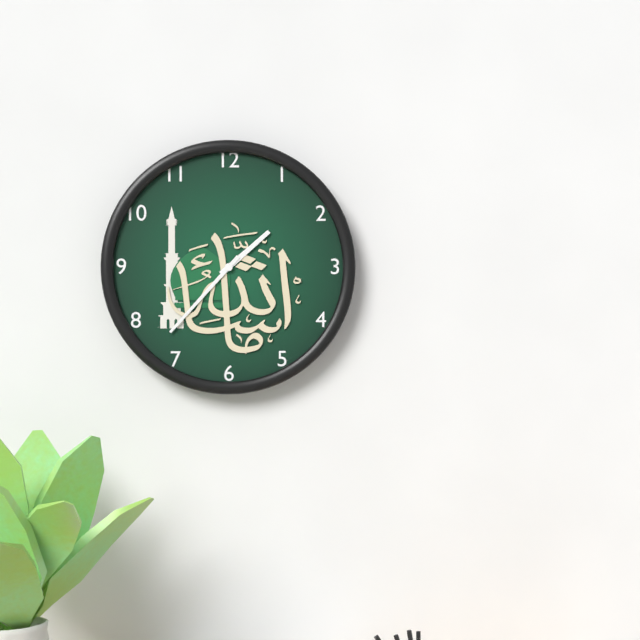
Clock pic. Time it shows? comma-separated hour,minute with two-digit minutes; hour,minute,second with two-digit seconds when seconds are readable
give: 1,37
